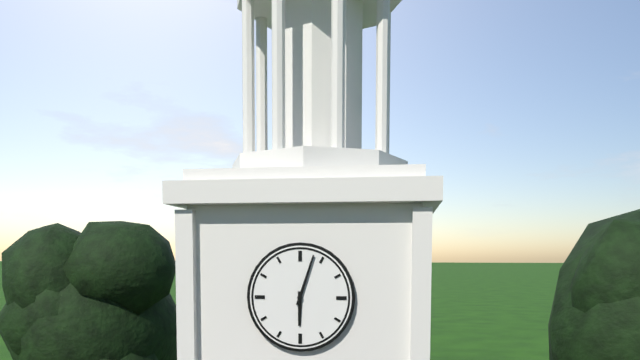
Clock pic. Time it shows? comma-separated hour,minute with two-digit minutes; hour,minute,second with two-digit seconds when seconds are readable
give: 6,03
